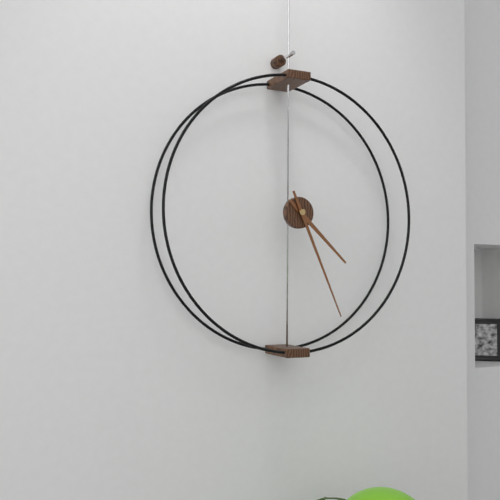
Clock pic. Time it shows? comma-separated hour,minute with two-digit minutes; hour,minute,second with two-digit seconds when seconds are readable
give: 4,26
